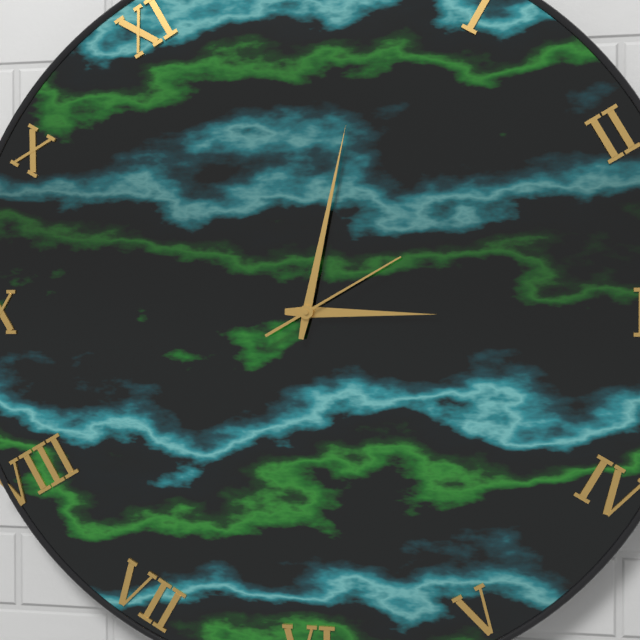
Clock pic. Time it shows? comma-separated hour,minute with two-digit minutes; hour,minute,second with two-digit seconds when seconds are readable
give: 3,02,10
